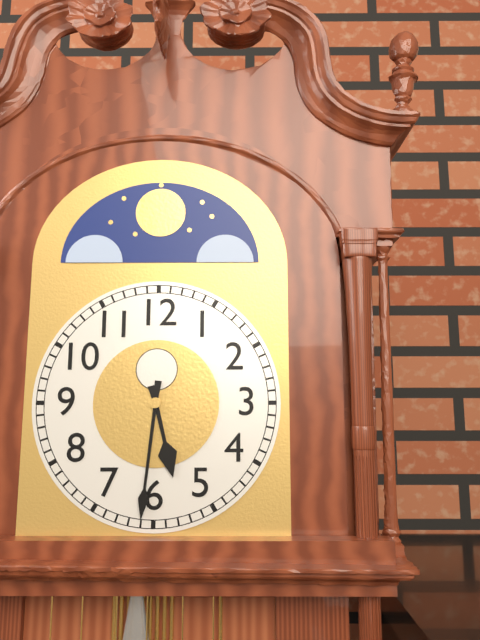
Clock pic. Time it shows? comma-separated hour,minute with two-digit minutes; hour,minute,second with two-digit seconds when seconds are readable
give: 5,31
